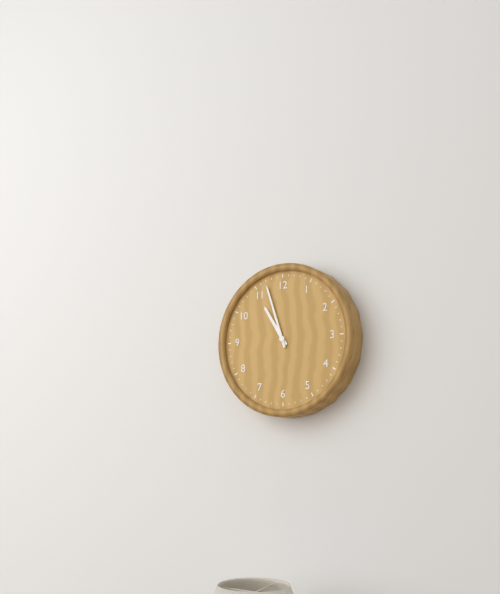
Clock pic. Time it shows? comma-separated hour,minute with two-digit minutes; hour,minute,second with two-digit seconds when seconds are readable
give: 10,57
